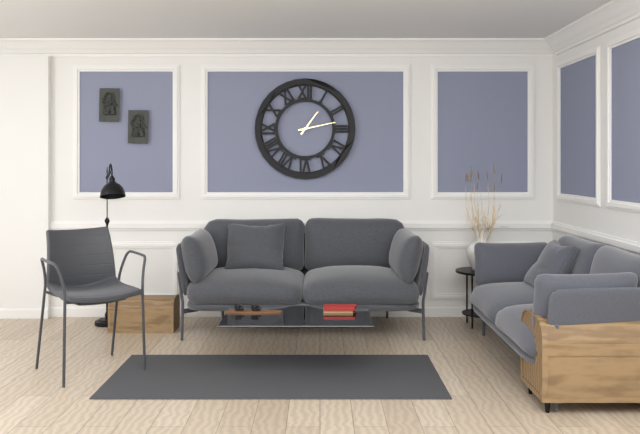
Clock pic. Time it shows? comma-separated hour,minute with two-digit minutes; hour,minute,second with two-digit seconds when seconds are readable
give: 1,13
